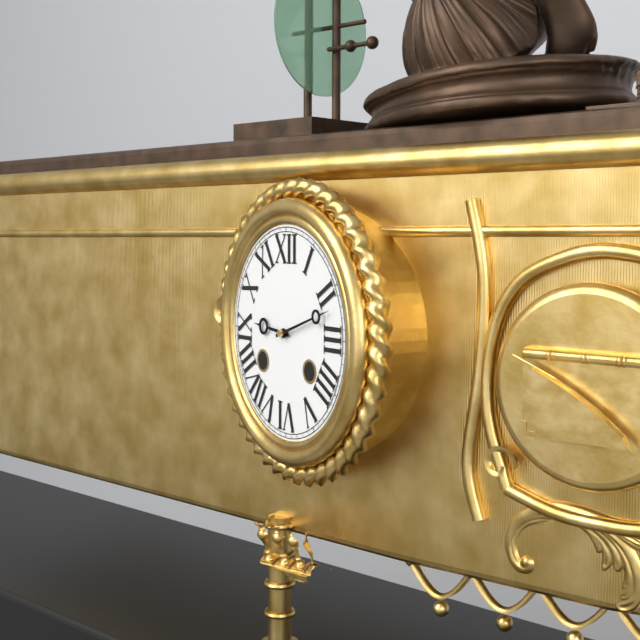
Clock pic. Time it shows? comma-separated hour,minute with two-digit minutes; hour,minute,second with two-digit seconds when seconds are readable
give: 9,12
